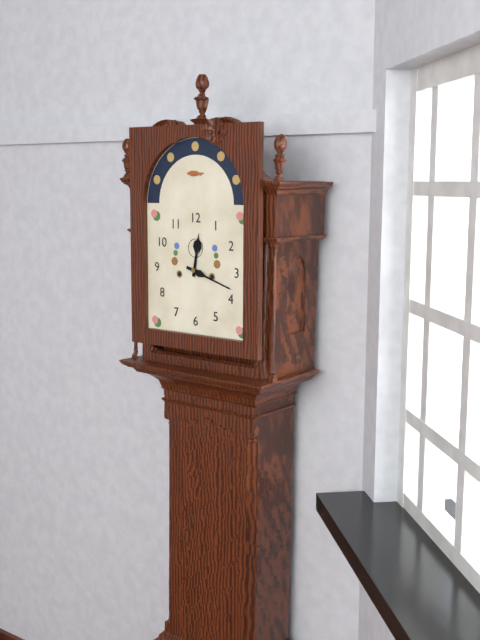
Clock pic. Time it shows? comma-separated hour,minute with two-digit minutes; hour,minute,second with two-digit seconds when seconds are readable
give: 12,18
